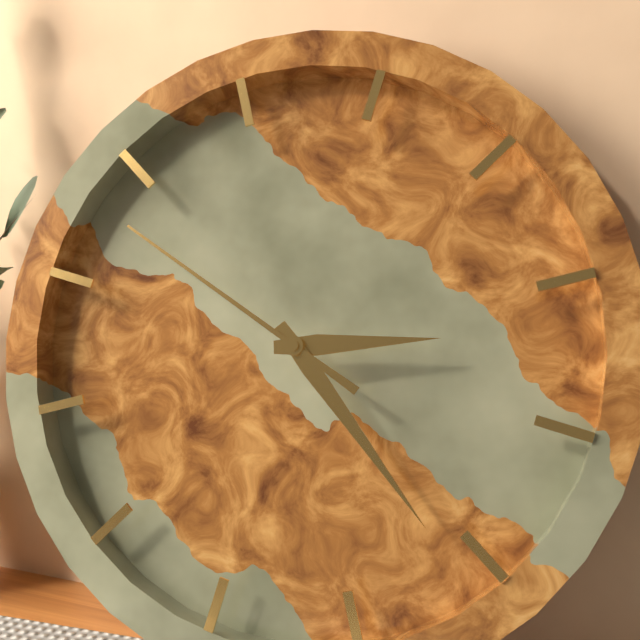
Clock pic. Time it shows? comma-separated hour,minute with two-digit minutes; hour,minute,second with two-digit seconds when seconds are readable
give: 2,21,48
